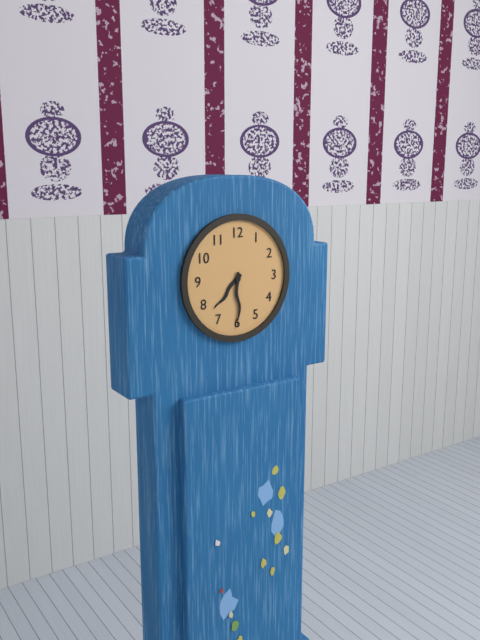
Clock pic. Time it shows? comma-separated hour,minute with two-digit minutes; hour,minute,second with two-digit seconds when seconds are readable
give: 7,30
